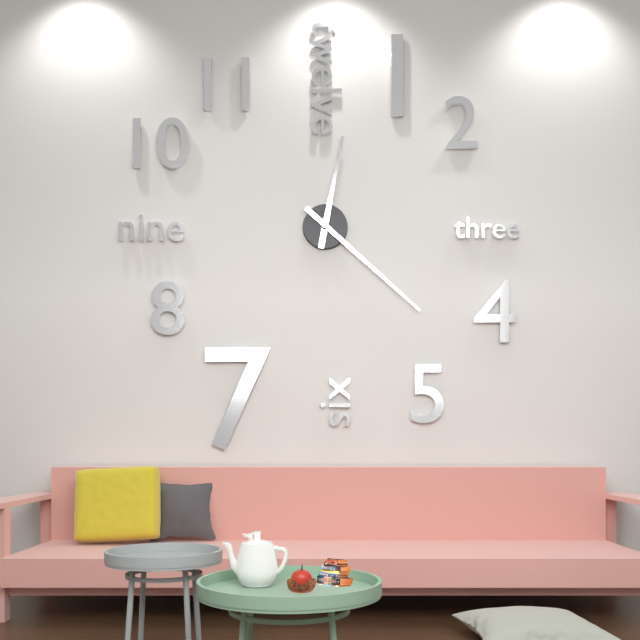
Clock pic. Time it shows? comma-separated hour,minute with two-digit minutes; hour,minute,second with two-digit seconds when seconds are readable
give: 12,22
